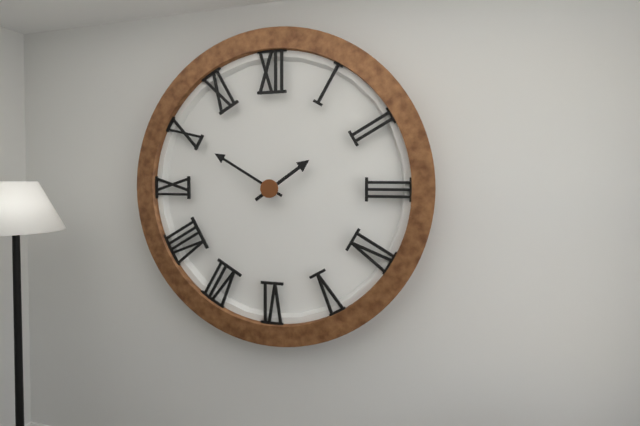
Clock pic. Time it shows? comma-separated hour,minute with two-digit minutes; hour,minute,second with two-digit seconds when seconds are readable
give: 1,50
